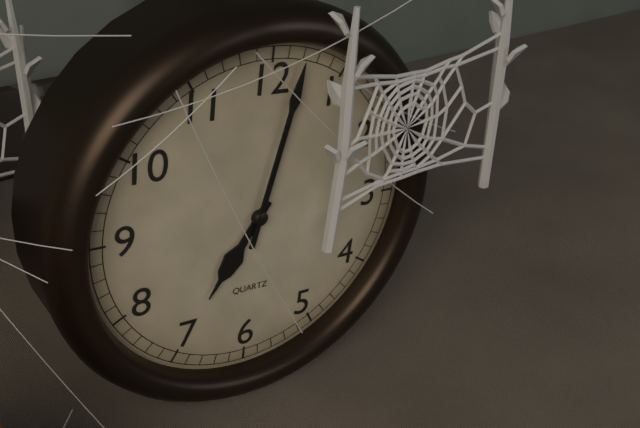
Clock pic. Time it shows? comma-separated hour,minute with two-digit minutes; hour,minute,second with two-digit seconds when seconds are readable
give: 7,02
